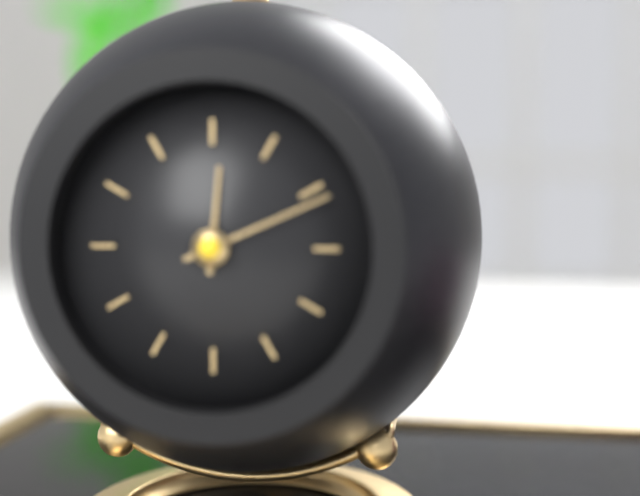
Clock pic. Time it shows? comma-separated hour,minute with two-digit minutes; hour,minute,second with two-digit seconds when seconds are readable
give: 12,11
